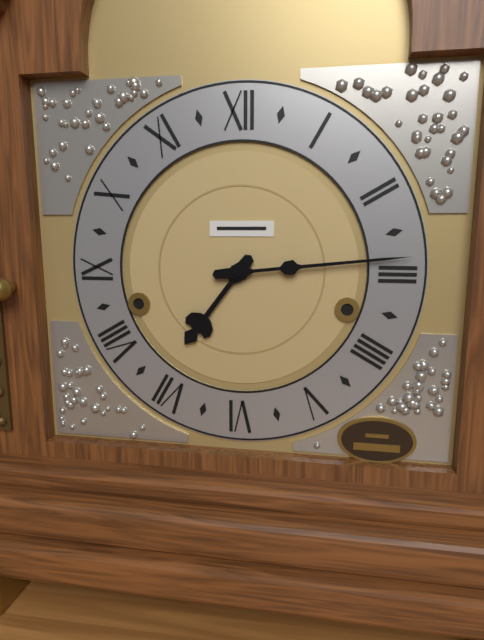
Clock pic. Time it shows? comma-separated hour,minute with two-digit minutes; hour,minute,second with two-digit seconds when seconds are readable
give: 7,14
